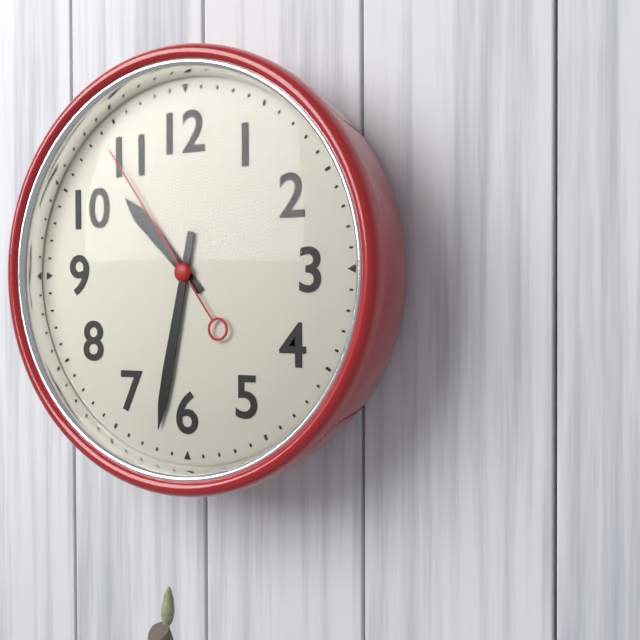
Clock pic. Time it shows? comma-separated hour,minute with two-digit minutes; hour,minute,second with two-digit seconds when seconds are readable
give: 10,32,54
